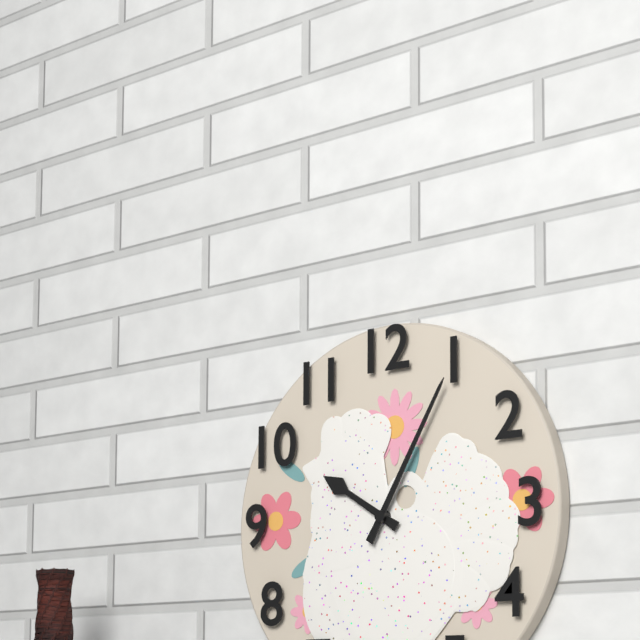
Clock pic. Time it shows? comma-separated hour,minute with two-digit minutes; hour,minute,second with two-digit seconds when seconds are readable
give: 10,05
